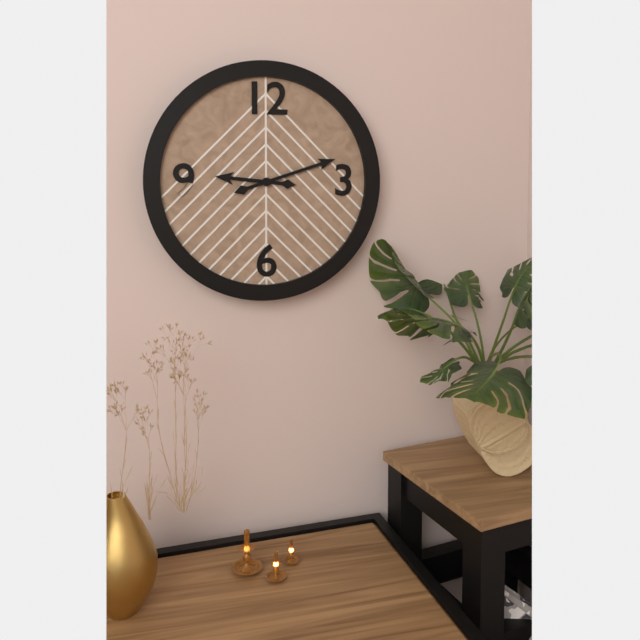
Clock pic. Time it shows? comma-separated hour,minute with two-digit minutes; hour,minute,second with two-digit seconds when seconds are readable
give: 9,12
